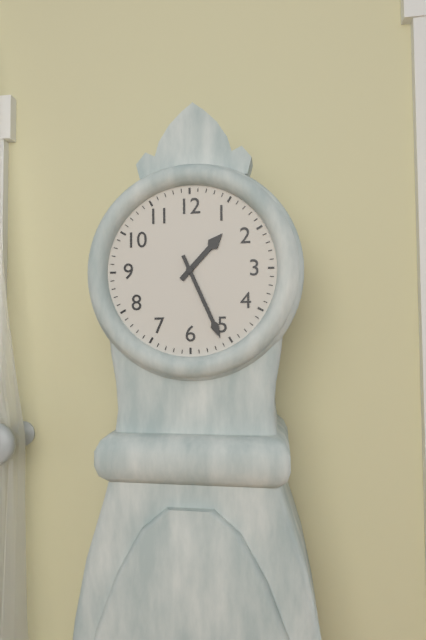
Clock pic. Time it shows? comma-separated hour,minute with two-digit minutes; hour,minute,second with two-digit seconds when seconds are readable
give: 1,26
